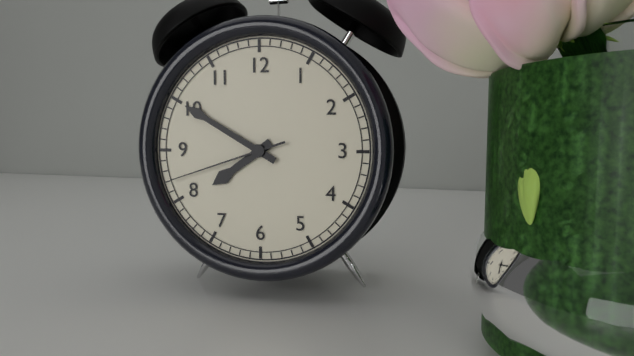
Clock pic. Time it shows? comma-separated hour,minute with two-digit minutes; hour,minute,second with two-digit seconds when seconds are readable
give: 7,50,42
